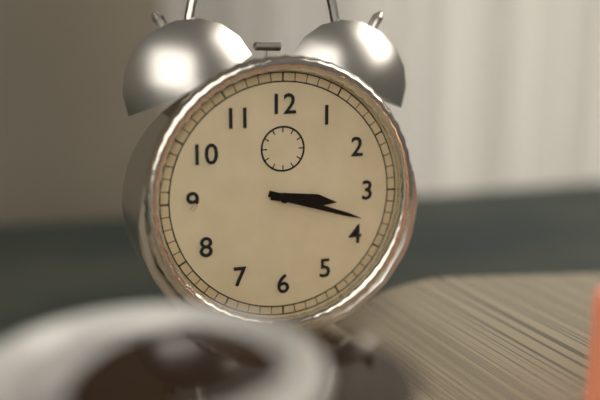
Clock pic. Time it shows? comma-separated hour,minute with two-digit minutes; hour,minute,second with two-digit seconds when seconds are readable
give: 3,18
